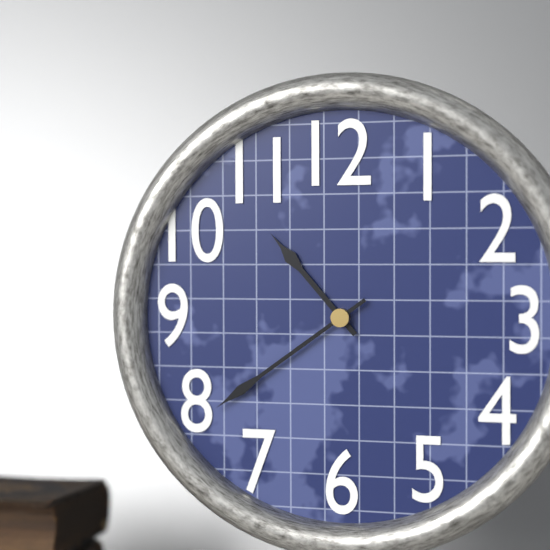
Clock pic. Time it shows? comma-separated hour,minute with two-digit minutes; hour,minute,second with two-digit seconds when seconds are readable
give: 10,39
